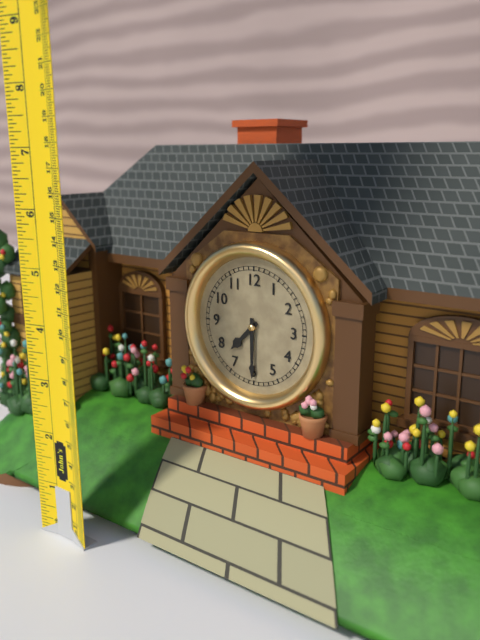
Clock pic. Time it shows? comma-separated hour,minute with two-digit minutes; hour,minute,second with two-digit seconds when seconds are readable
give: 7,30
